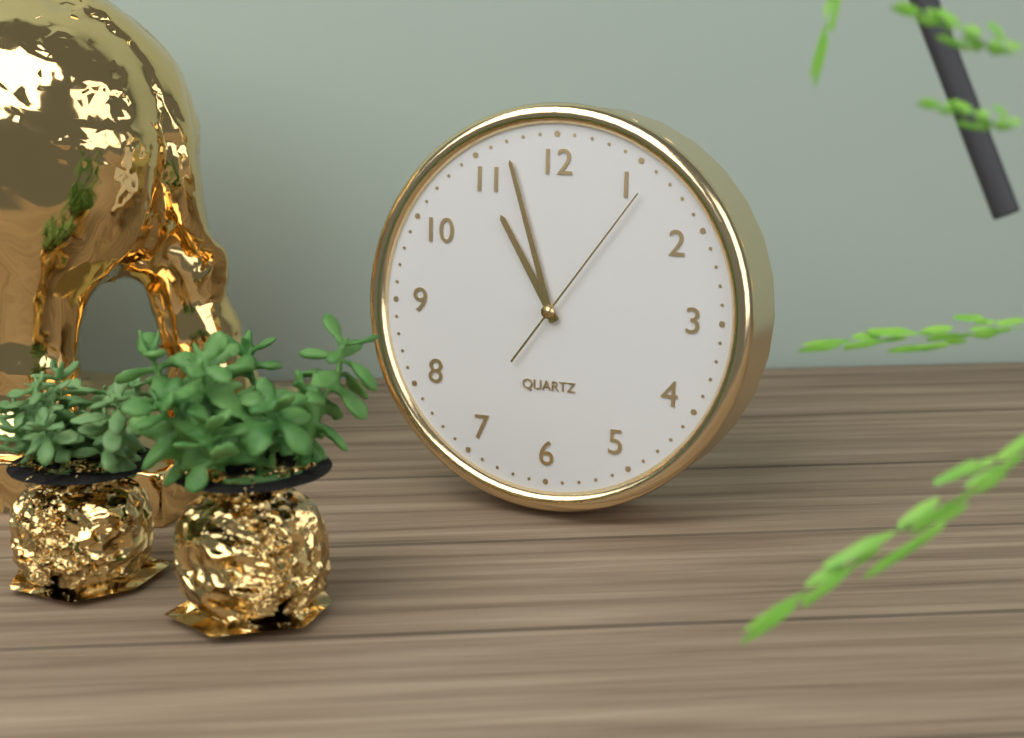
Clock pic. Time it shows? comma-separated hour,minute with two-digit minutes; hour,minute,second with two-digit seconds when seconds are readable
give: 10,57,06
